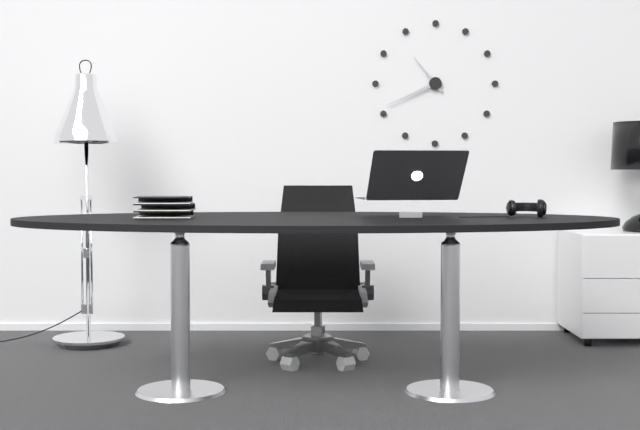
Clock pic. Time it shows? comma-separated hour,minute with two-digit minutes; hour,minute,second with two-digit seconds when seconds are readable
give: 10,41
